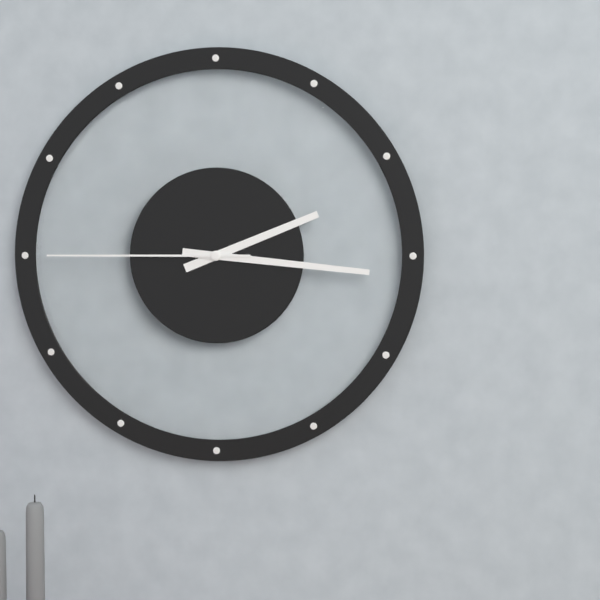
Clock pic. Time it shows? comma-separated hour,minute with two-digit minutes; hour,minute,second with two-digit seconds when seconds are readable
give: 2,16,45
